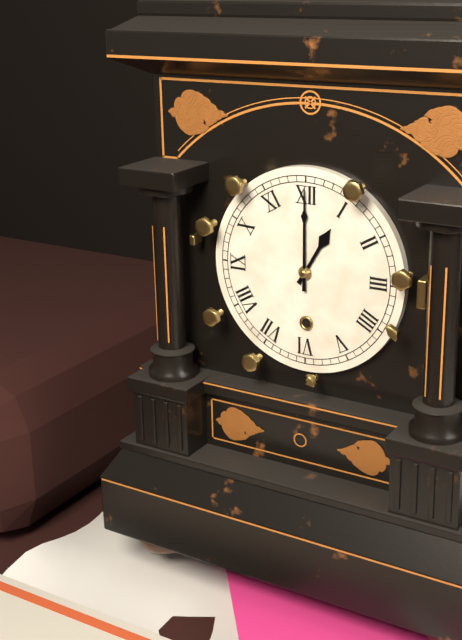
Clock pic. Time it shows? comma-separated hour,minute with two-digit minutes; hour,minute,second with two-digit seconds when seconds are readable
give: 1,00
